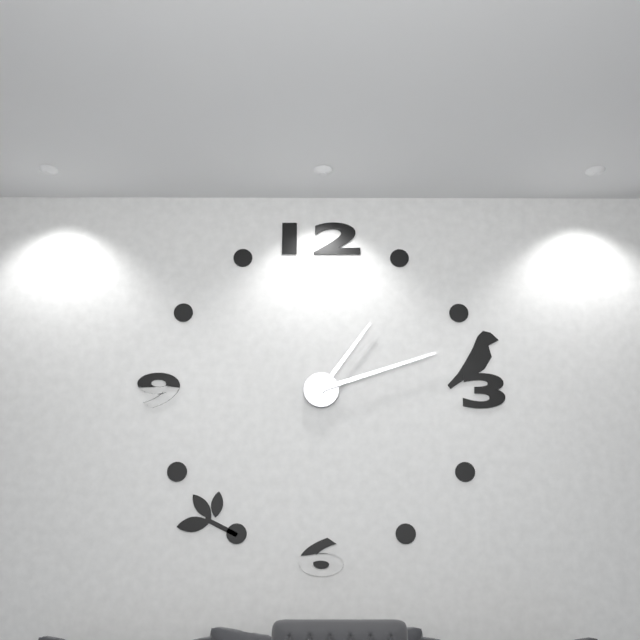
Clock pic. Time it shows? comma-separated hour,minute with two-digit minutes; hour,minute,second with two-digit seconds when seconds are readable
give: 1,12
